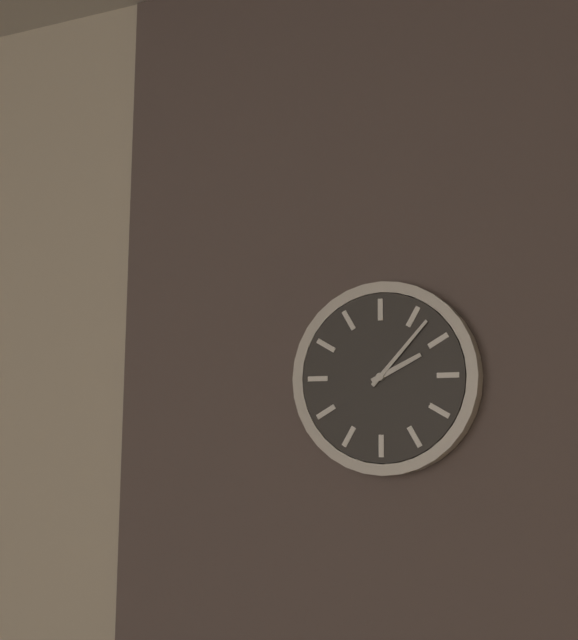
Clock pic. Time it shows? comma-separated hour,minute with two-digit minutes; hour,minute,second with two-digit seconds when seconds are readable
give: 2,07
